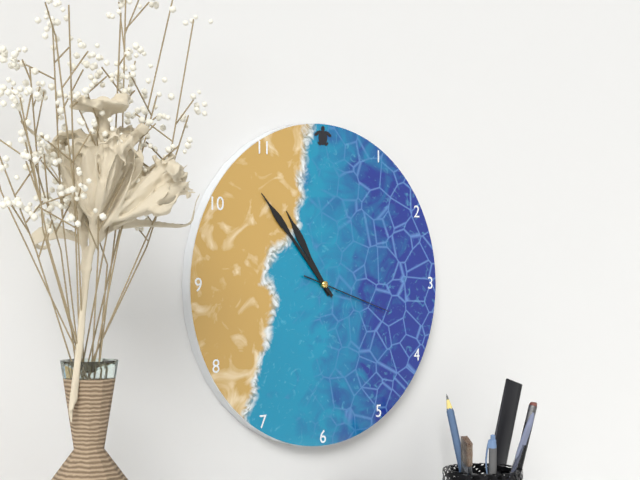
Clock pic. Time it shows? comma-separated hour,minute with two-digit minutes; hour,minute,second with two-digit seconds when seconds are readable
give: 10,53,18
